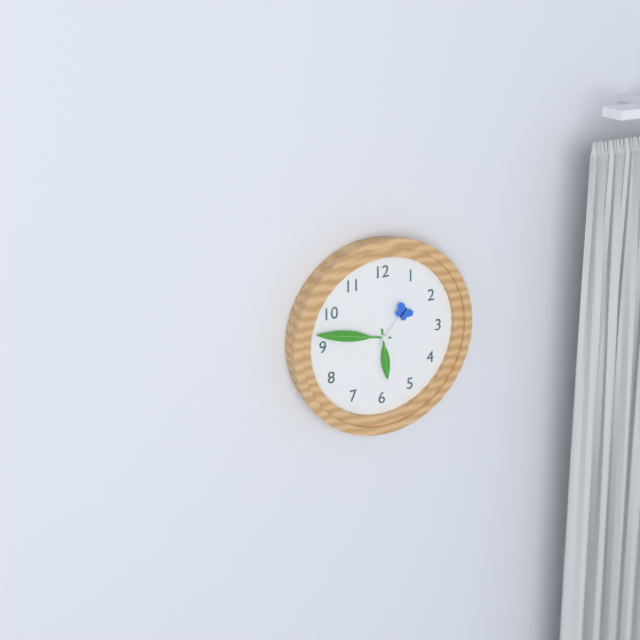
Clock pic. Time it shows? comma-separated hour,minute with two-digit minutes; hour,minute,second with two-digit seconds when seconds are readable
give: 5,47,07
